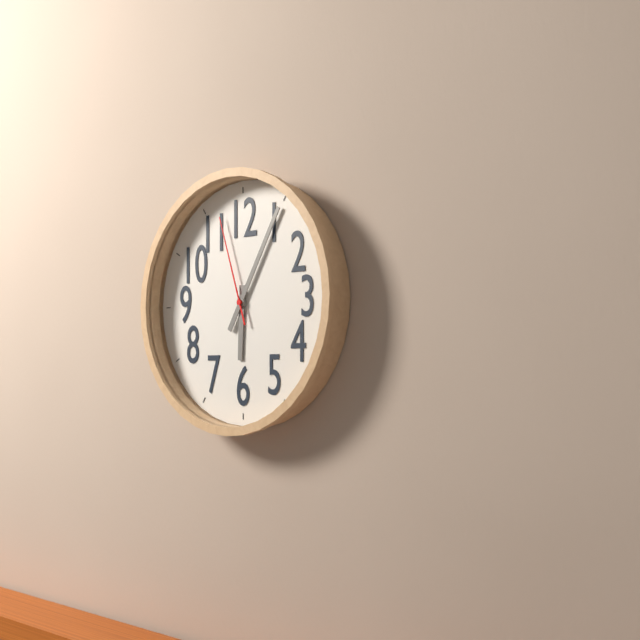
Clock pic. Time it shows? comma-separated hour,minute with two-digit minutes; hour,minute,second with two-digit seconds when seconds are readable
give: 6,05,57
